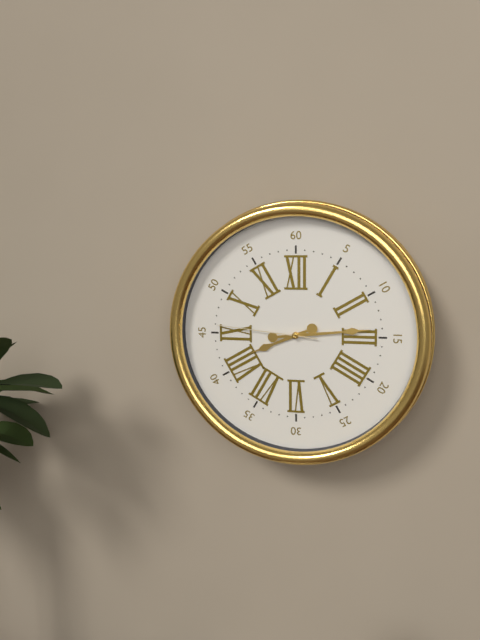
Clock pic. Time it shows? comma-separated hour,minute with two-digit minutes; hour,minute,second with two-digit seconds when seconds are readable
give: 8,14,46
